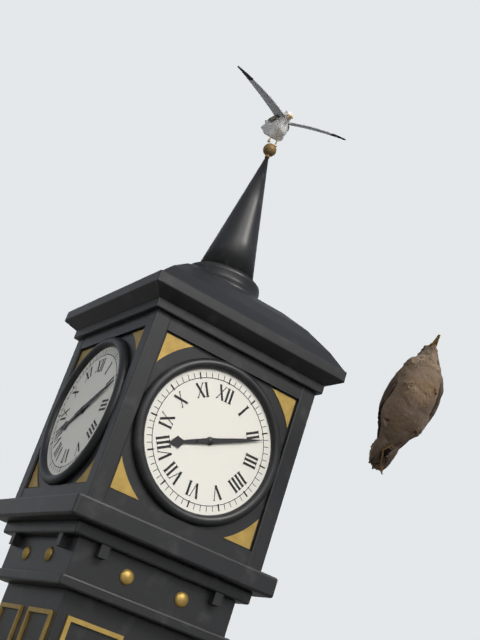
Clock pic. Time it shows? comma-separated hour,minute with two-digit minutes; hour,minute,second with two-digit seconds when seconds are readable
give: 8,11
